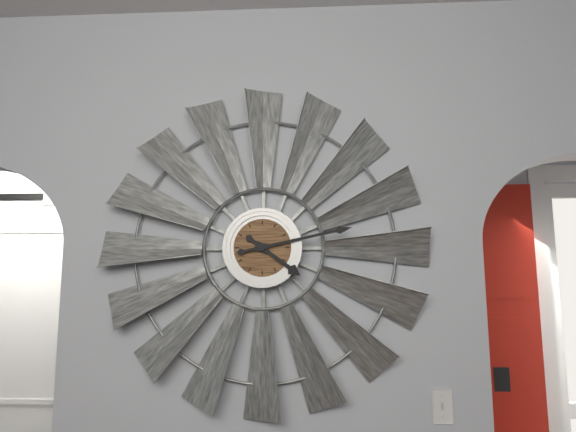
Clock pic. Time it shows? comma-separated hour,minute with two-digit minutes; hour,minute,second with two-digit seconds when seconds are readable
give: 4,13
